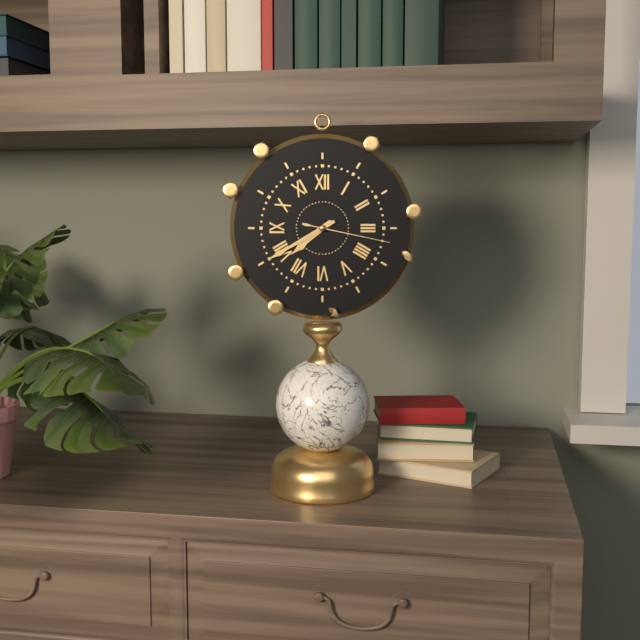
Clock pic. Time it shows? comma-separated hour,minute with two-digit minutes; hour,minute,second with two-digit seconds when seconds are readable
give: 7,40,17
